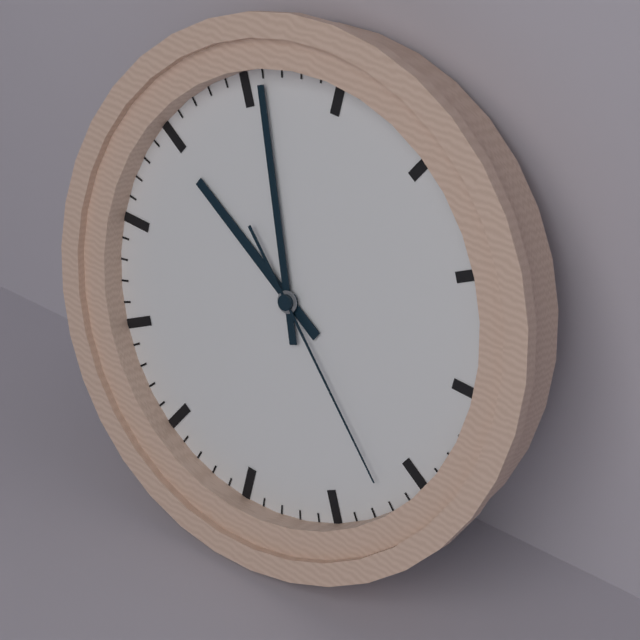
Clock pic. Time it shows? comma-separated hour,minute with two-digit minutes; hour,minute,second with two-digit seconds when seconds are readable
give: 9,56,22
